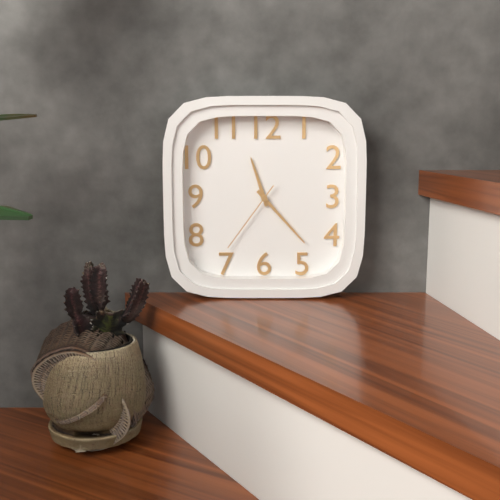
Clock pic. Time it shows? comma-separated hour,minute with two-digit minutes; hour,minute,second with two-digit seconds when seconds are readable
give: 11,23,36
